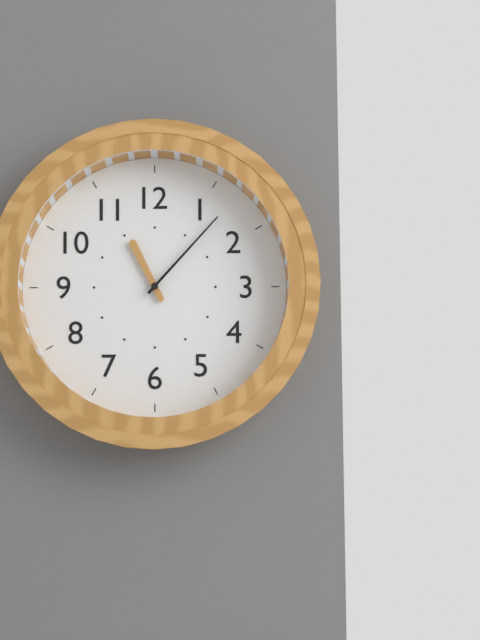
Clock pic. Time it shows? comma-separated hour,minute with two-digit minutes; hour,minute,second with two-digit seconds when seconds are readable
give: 11,07
